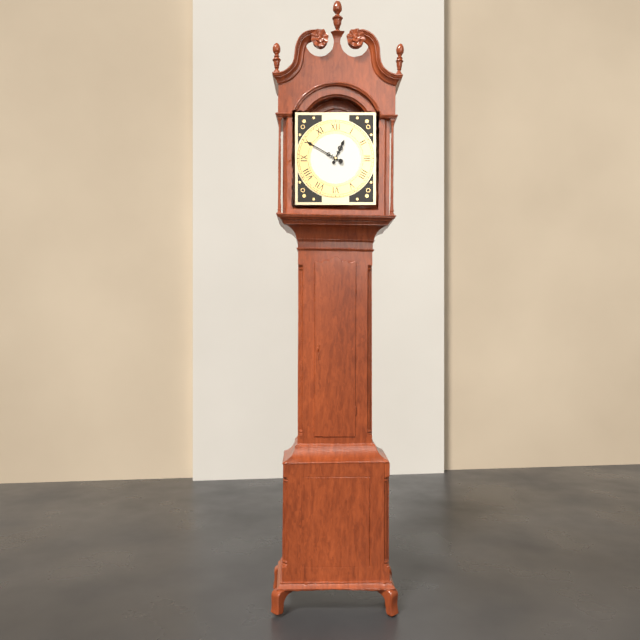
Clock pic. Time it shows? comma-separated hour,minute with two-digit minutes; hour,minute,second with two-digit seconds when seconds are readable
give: 12,50
